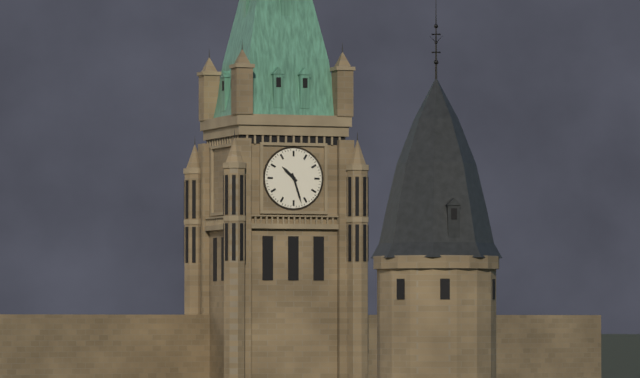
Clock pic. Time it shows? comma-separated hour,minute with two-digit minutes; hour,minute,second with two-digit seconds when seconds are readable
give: 10,27
